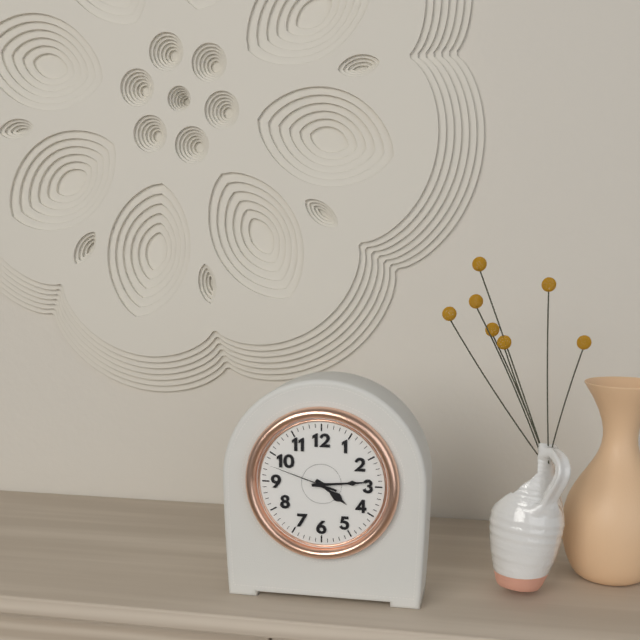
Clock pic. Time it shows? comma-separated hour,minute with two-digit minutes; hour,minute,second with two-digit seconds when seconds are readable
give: 4,14,48
